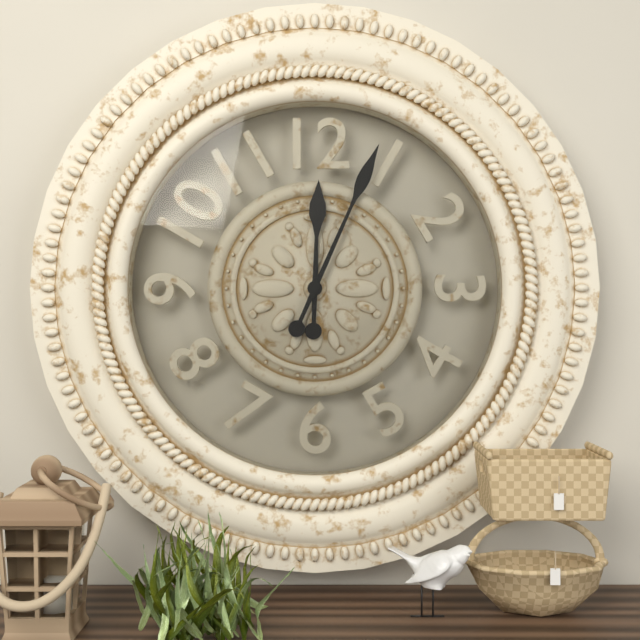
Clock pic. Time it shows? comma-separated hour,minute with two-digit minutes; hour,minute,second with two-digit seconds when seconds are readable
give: 12,04
